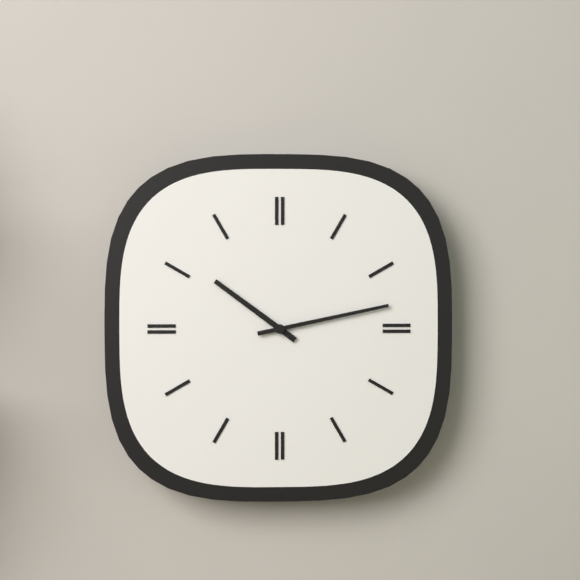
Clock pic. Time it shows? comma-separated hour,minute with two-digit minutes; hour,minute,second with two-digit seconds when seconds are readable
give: 10,13
